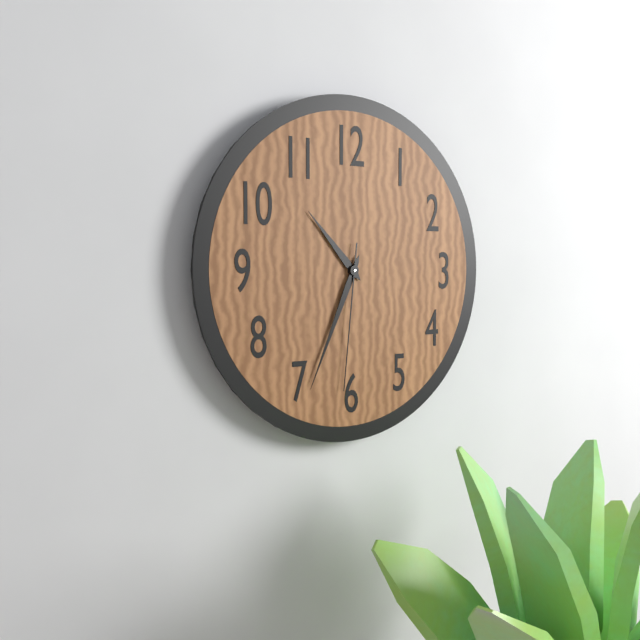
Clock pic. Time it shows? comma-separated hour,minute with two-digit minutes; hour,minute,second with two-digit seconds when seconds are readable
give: 10,34,31
